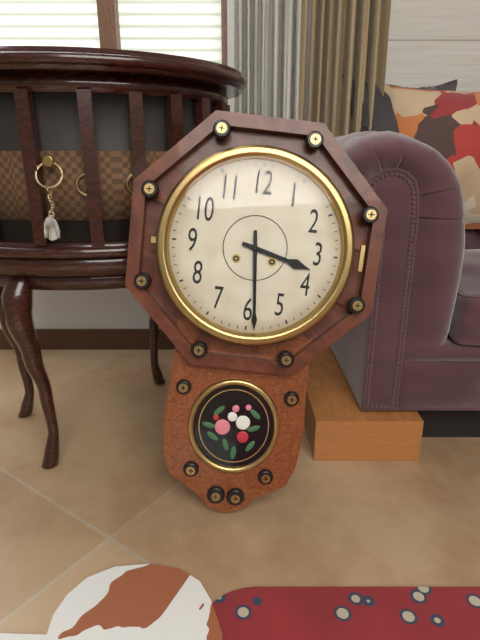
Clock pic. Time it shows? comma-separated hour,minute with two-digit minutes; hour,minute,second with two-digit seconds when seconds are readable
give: 3,29
